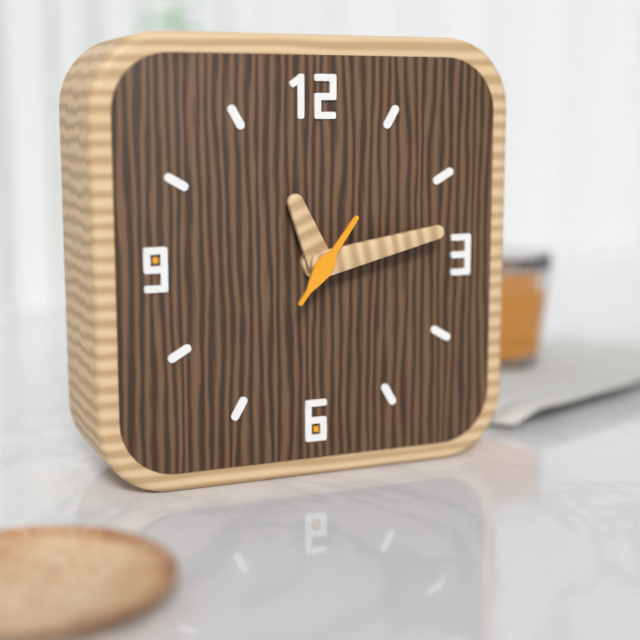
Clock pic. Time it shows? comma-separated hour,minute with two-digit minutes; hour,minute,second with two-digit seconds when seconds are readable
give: 11,13,06
